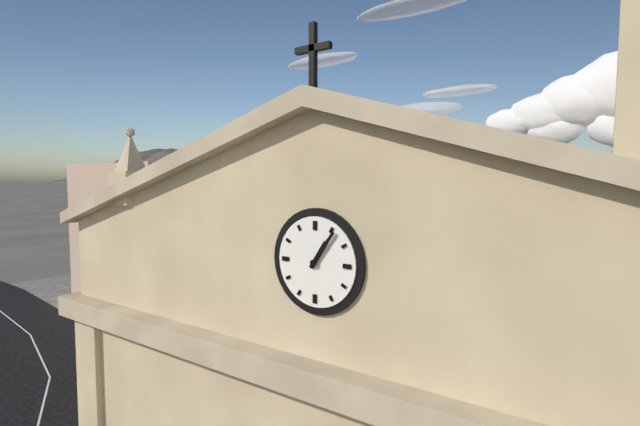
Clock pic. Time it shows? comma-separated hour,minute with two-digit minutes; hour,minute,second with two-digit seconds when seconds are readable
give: 1,06
